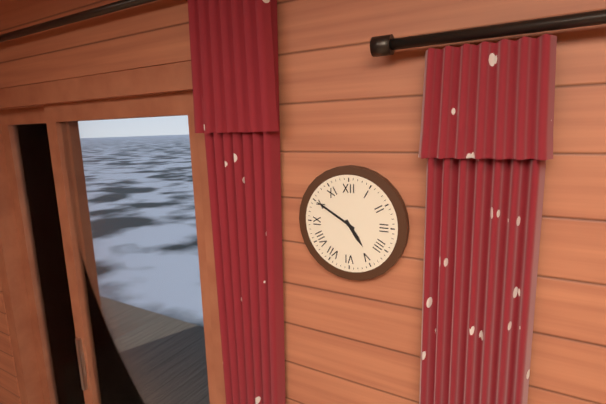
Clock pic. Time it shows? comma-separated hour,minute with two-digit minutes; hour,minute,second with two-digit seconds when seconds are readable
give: 4,50
